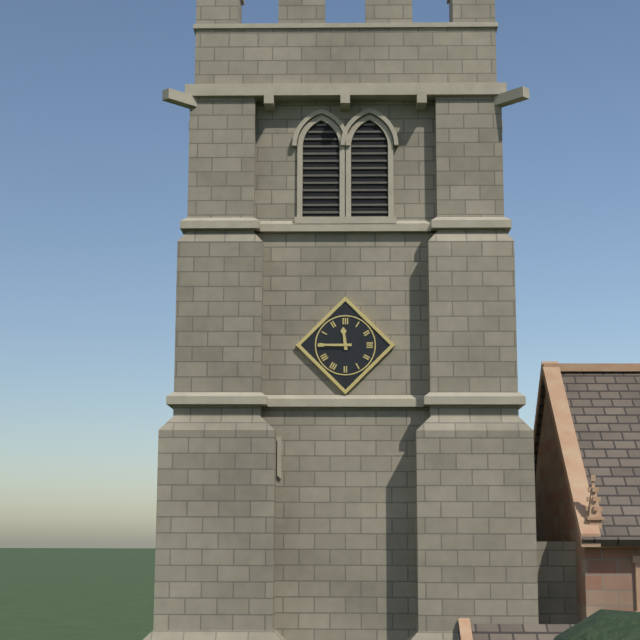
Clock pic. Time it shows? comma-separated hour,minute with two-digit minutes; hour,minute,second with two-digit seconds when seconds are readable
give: 11,45
